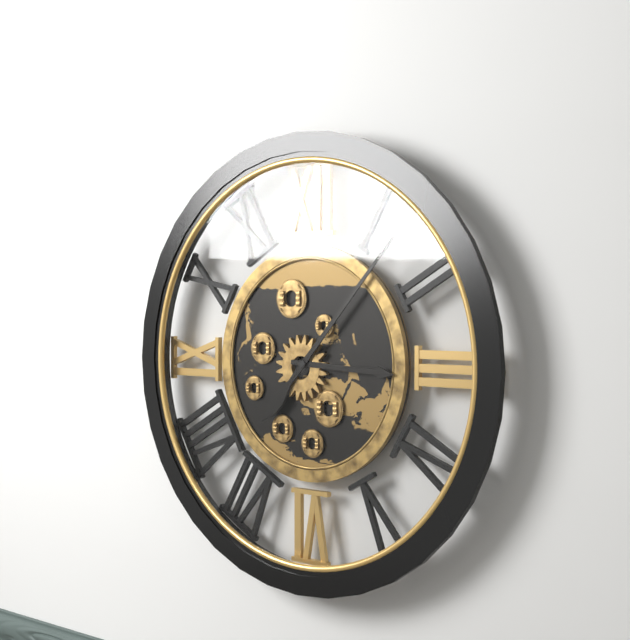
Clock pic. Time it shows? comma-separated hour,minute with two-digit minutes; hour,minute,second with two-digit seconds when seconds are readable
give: 3,07
